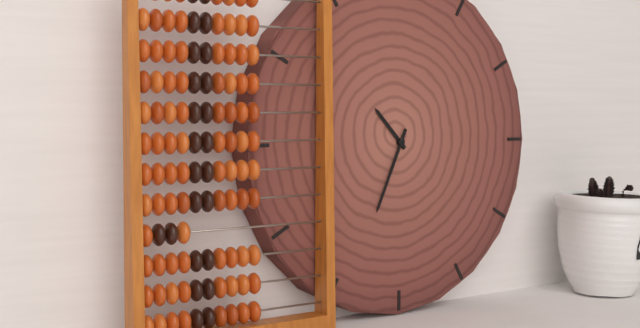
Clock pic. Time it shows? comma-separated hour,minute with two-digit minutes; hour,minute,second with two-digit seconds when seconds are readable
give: 10,34
